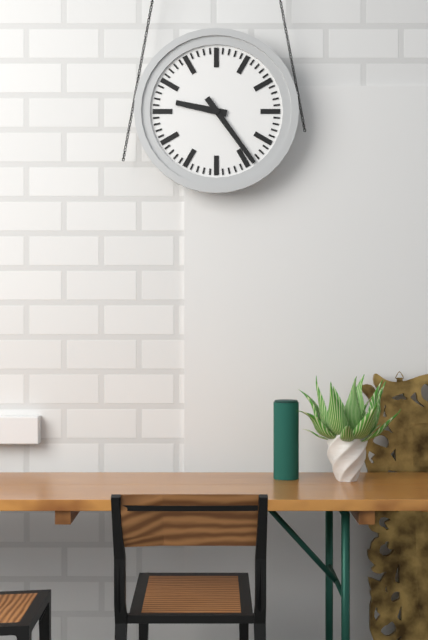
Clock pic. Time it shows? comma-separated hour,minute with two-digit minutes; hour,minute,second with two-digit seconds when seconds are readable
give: 9,24
